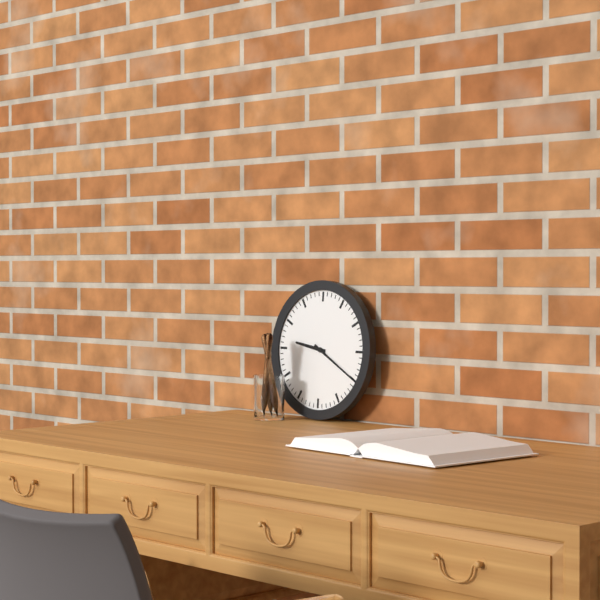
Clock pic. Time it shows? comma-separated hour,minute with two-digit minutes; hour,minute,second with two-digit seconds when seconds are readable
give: 9,20
